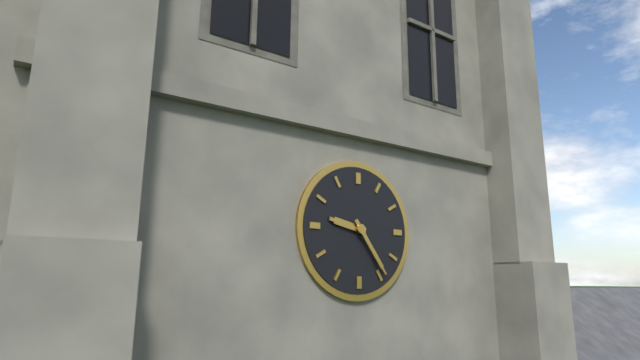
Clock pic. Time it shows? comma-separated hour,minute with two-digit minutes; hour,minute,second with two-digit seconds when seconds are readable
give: 9,24
